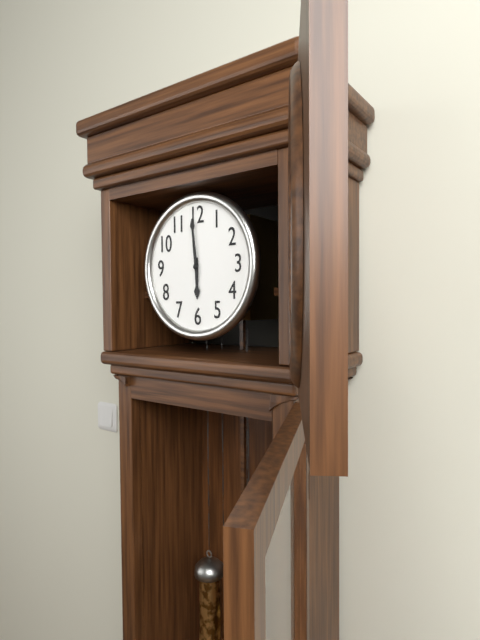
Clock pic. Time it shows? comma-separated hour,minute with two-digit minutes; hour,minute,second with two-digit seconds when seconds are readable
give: 5,59
